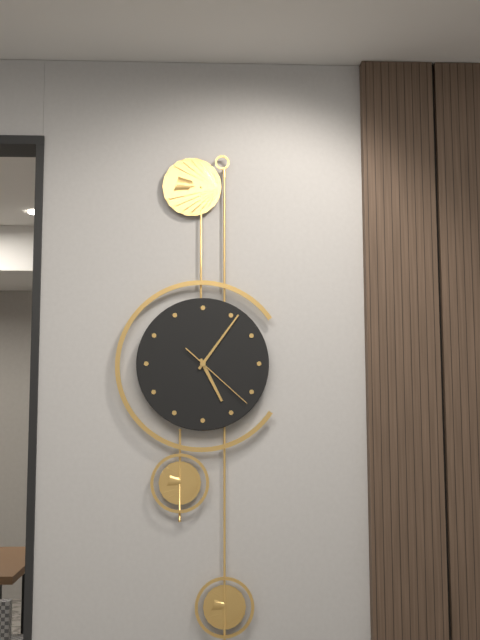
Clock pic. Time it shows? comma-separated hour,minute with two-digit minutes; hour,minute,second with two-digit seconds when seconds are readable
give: 5,06,22
